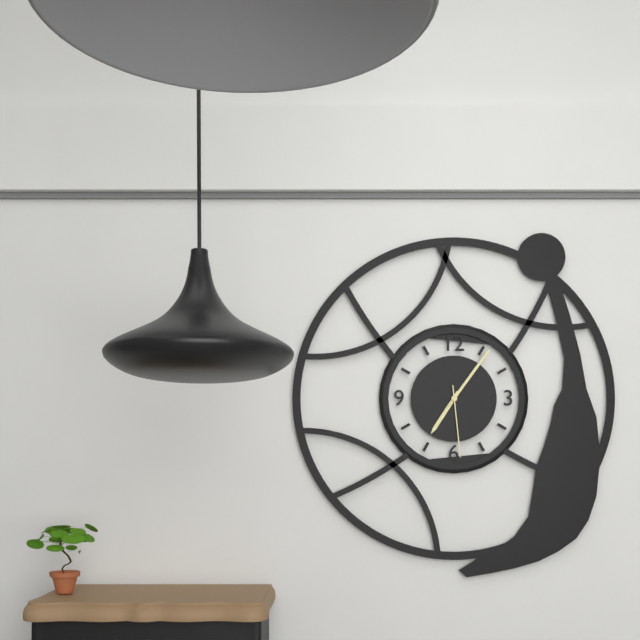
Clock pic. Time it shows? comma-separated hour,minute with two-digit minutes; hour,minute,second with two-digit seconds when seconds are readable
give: 7,06,29
